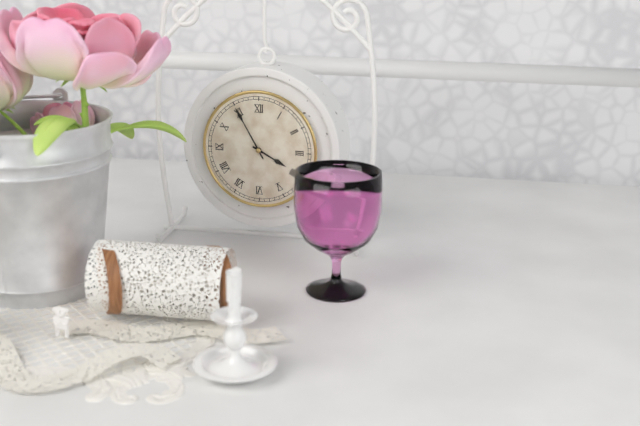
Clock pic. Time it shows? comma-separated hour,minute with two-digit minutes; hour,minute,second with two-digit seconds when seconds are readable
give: 3,55
